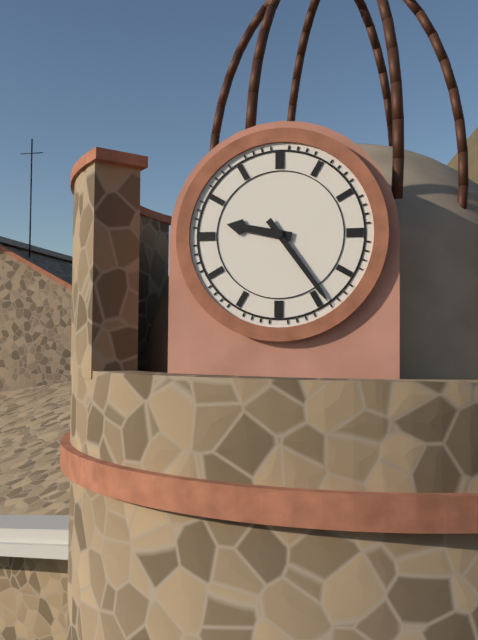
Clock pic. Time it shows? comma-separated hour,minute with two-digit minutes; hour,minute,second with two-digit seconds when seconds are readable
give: 9,24
